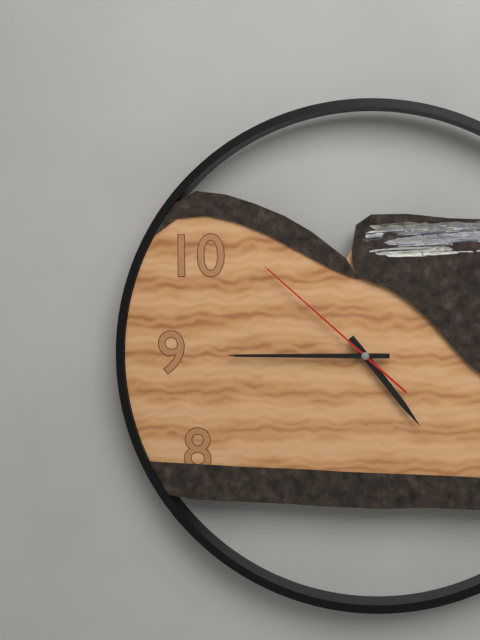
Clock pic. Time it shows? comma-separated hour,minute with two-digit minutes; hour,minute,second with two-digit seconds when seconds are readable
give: 4,45,52
